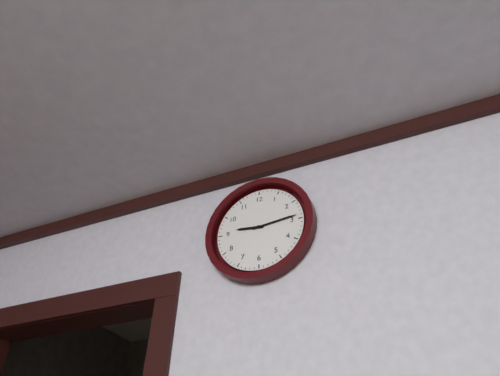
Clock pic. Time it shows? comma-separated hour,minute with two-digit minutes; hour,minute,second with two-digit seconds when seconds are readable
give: 9,14
